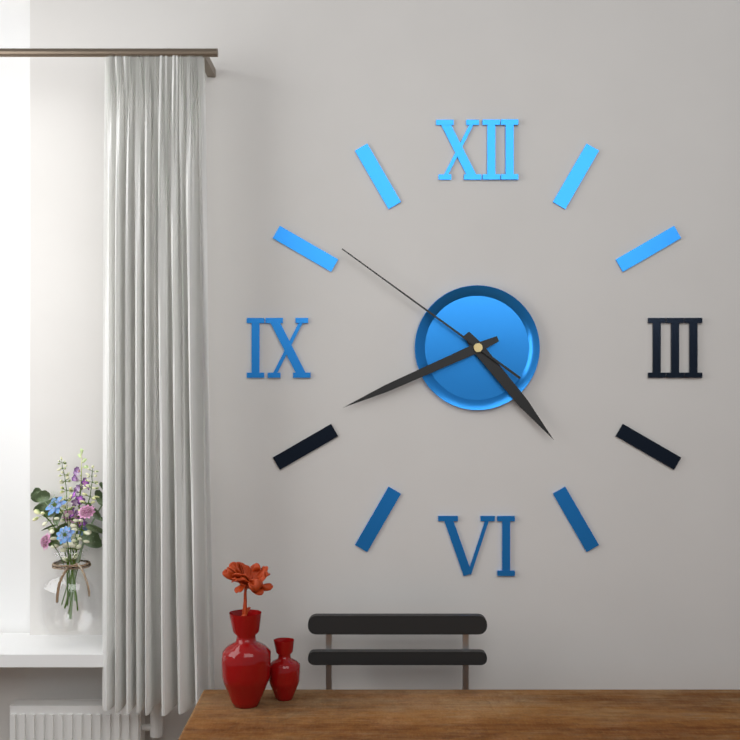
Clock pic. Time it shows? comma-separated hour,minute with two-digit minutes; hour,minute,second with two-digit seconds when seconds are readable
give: 4,41,51
